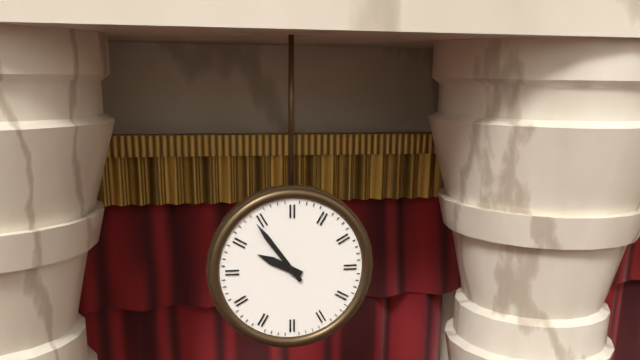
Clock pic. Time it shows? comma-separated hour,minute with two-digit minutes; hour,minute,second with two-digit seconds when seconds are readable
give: 9,54
